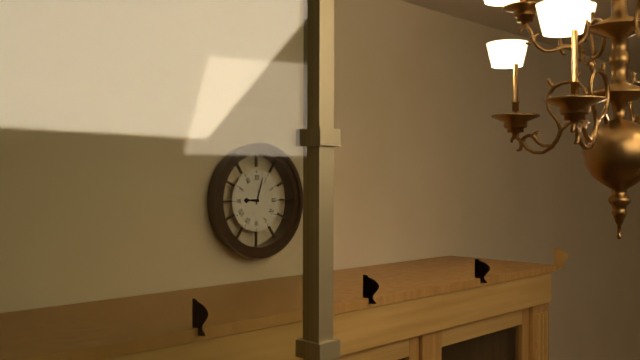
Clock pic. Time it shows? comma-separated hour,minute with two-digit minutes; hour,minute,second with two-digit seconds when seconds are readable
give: 9,03
